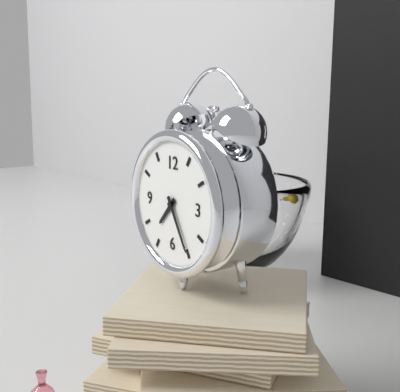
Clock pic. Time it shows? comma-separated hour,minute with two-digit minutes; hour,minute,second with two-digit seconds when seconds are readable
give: 7,25
